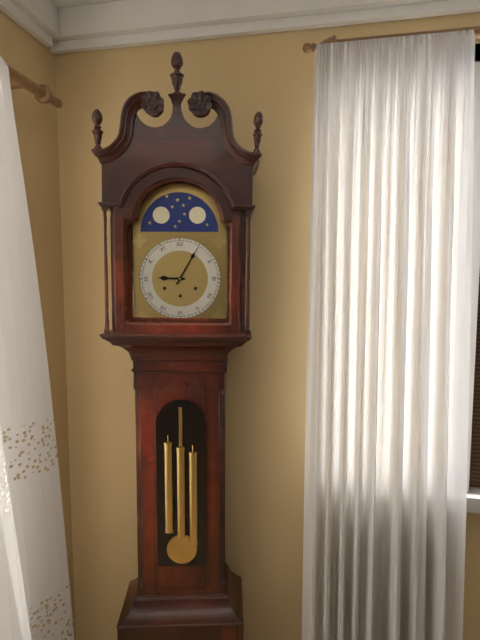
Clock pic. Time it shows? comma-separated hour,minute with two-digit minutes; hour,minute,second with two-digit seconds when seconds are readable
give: 9,05
